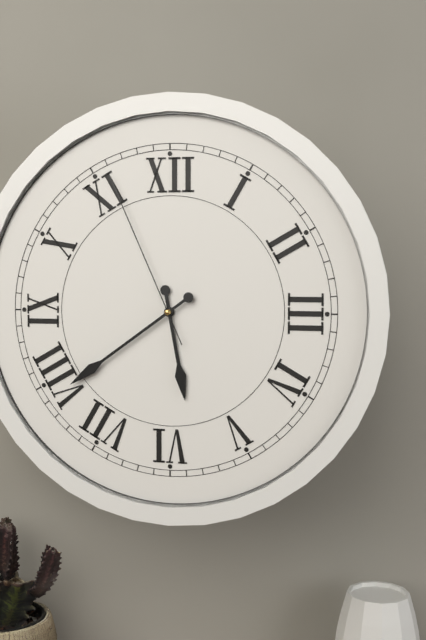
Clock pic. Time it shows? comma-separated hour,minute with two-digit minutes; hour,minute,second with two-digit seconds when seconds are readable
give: 5,39,56
